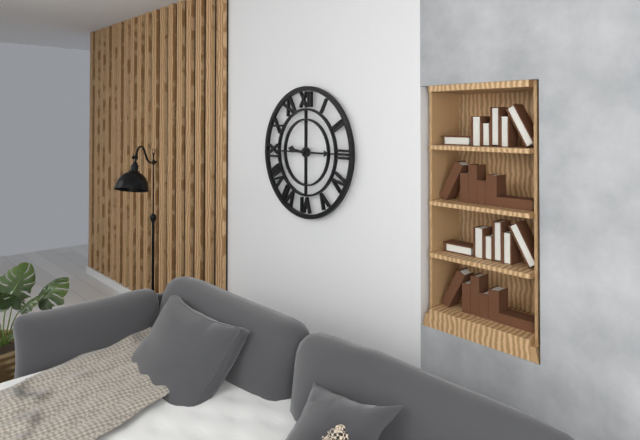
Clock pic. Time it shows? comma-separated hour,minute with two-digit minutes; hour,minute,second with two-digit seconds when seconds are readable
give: 9,15
